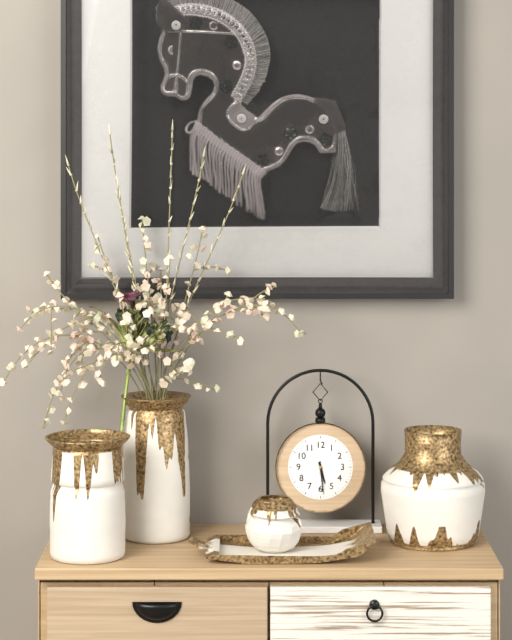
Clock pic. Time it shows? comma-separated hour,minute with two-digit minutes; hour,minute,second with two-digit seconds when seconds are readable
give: 5,29
